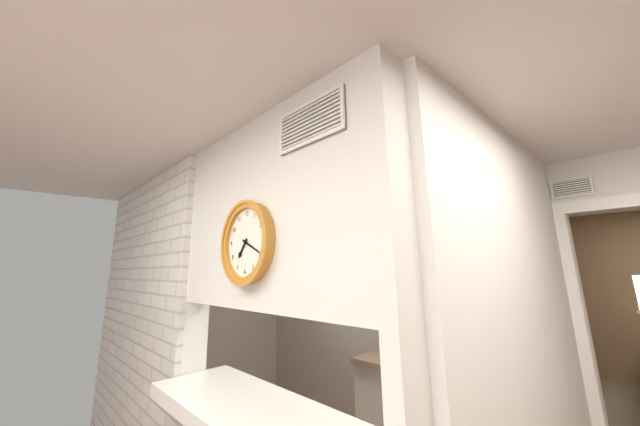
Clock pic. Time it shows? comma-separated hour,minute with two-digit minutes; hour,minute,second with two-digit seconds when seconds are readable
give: 7,19
